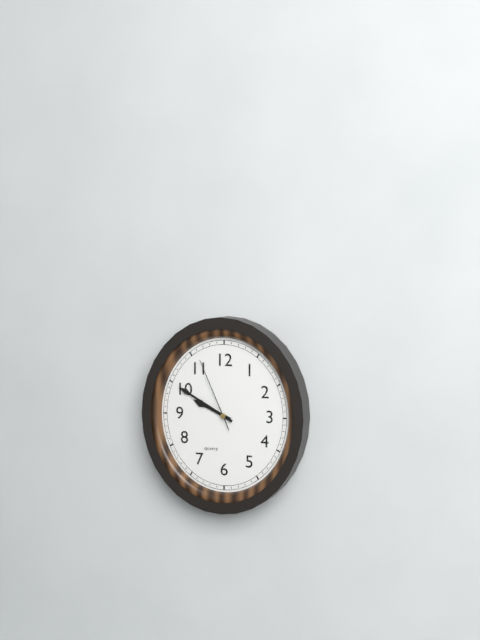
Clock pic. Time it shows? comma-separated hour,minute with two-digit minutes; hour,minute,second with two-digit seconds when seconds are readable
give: 9,50,56
